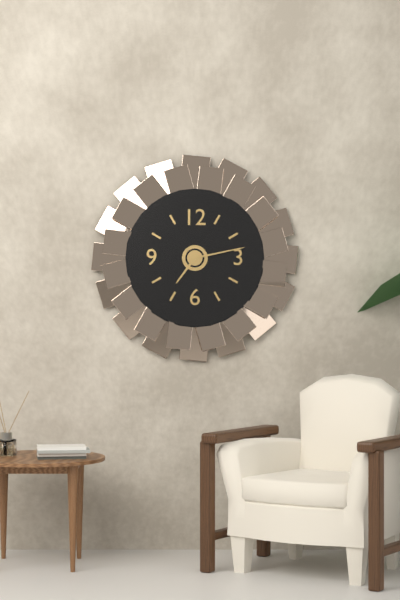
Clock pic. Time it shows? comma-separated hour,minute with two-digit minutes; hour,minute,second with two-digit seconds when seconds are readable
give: 7,13
